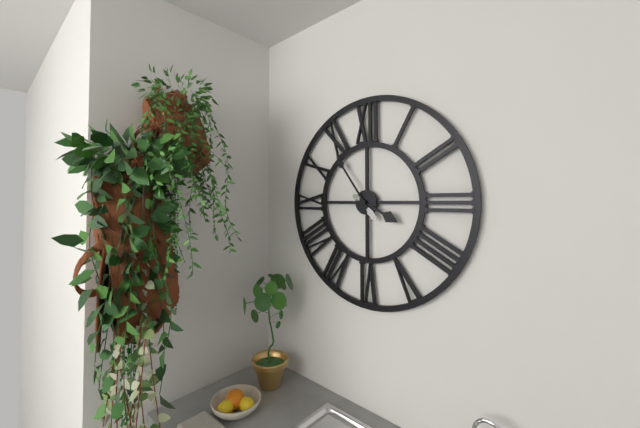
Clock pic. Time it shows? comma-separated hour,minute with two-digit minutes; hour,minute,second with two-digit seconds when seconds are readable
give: 3,54
